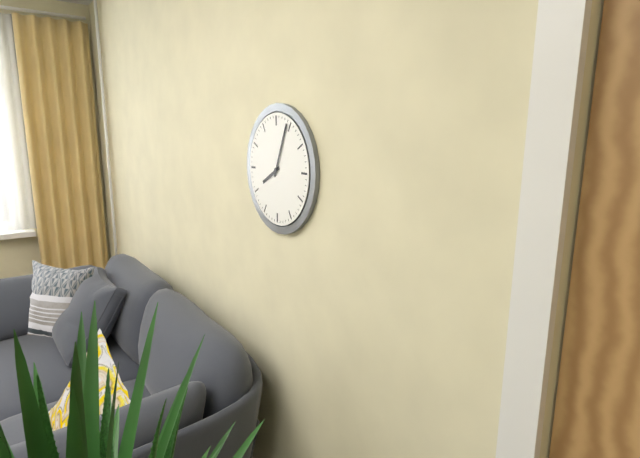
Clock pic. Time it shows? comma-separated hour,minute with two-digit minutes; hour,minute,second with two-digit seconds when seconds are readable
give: 8,04
